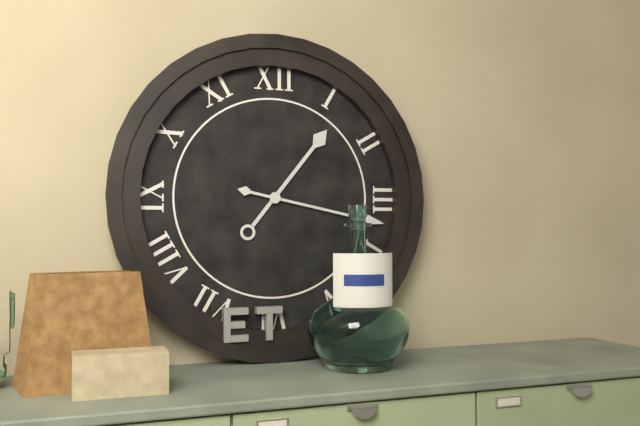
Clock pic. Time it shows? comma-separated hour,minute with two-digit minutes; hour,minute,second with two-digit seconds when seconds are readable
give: 1,17
